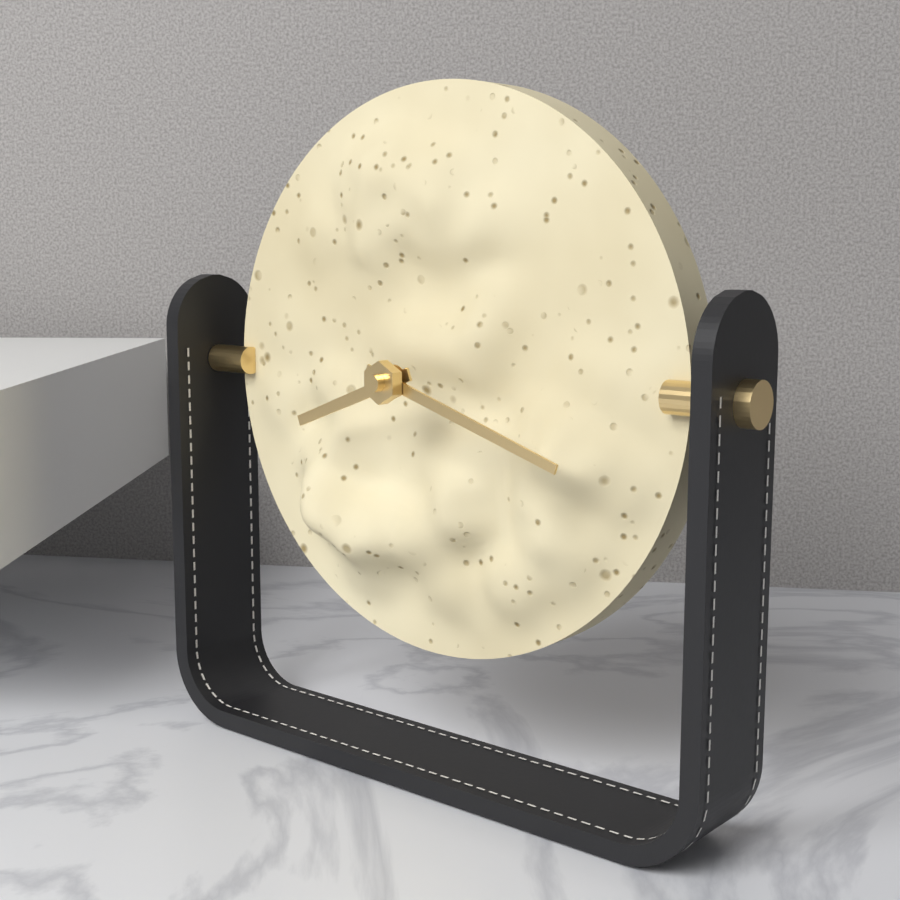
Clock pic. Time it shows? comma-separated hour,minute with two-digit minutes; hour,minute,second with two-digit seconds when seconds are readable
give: 8,18
